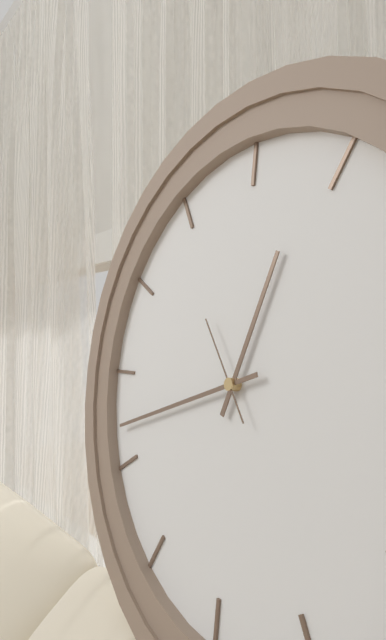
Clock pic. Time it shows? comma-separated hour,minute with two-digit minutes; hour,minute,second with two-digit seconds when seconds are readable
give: 12,42,54
